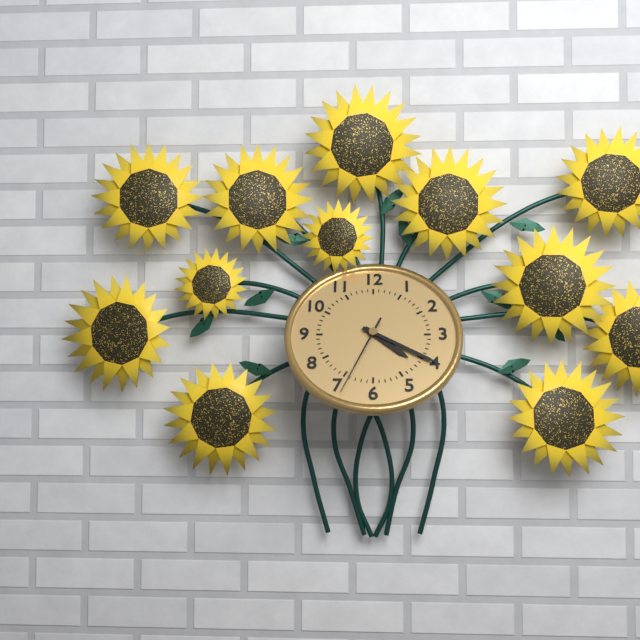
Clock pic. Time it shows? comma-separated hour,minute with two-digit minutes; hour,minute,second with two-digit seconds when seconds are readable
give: 4,20,34
